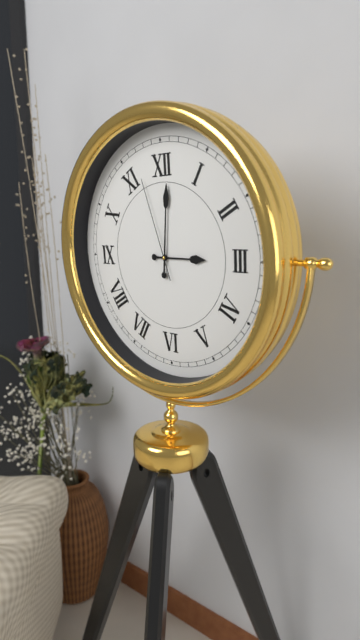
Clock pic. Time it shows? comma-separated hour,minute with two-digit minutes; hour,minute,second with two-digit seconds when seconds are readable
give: 3,01,57
